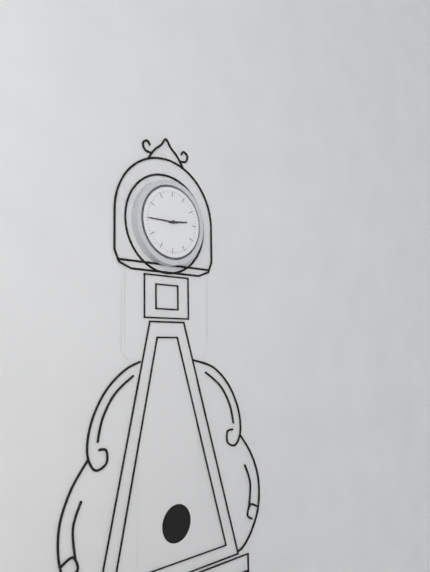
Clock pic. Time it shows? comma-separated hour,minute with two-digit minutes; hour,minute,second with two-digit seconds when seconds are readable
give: 2,45
